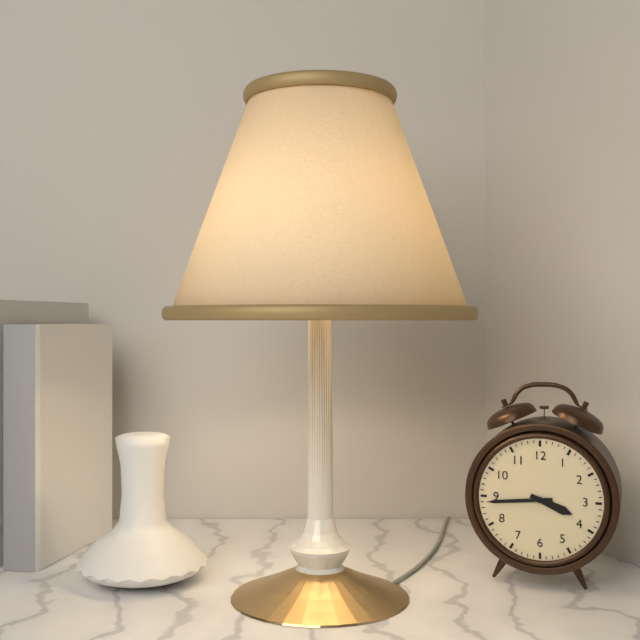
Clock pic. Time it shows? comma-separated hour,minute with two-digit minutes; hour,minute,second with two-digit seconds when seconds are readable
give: 3,44
